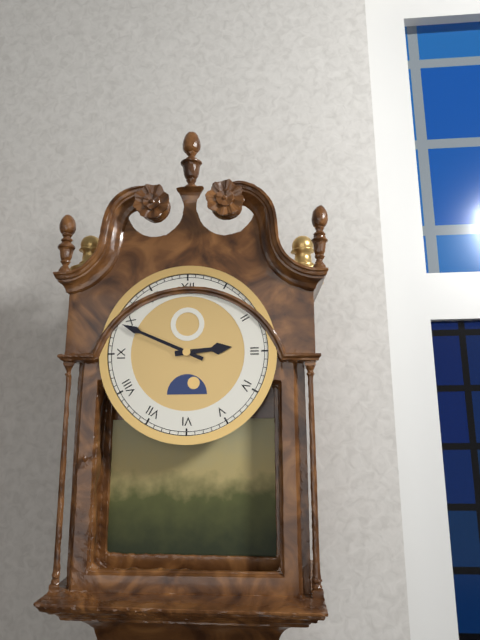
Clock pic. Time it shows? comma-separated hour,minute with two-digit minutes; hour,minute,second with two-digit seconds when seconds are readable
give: 2,49
